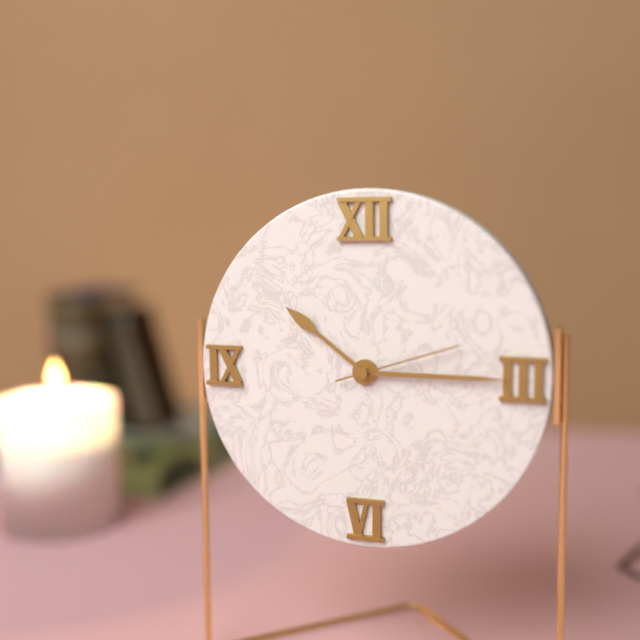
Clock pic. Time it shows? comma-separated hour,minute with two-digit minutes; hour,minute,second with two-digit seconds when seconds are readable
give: 10,15,12
